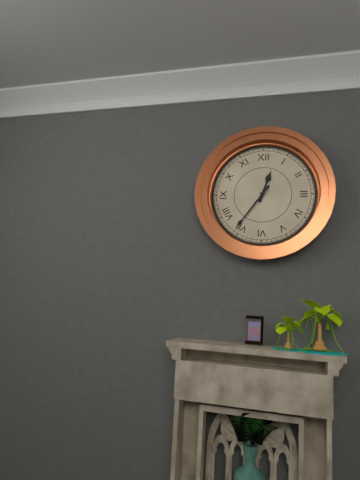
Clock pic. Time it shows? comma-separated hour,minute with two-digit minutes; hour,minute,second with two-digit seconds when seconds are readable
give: 12,36
